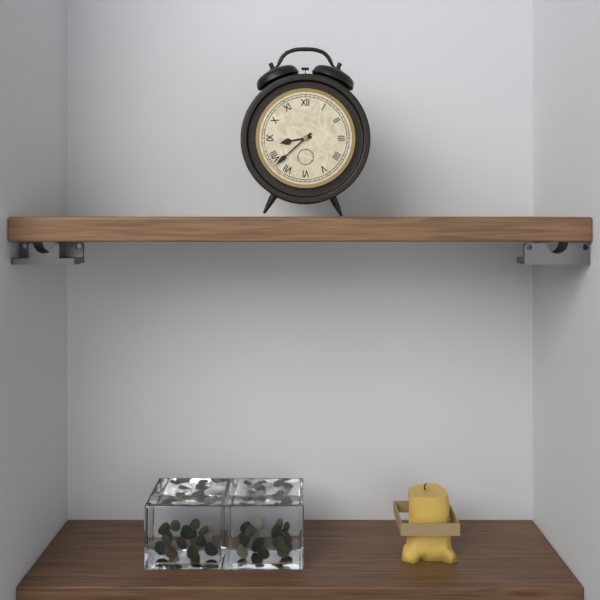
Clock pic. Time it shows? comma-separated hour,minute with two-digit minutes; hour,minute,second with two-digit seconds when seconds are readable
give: 8,38
